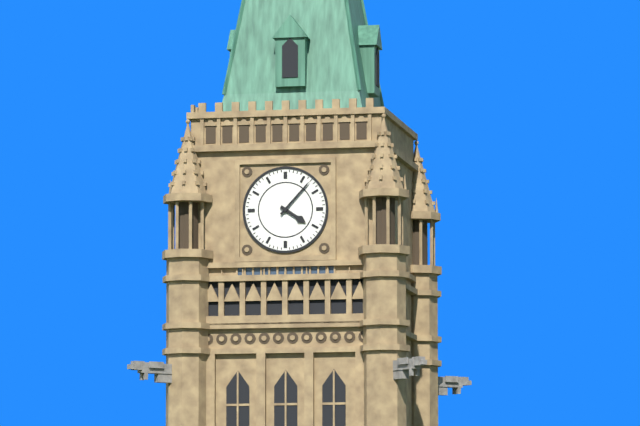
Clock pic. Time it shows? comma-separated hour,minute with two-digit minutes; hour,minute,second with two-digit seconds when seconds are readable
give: 4,07
